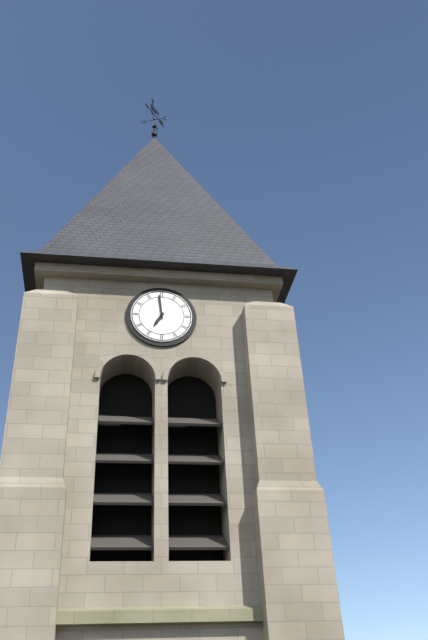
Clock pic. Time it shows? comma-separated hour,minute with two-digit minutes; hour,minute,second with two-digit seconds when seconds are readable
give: 6,59
